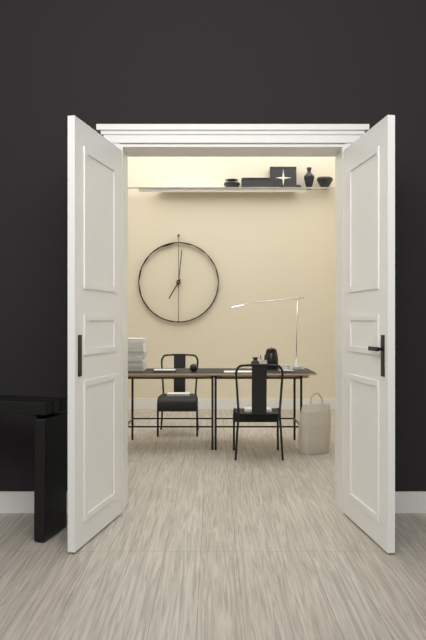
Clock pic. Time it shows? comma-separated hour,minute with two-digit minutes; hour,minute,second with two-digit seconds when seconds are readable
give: 7,01
